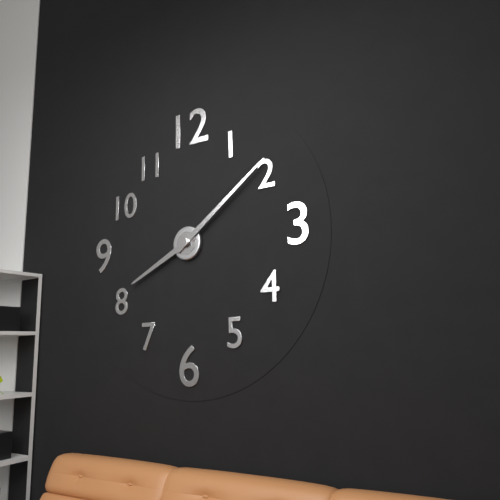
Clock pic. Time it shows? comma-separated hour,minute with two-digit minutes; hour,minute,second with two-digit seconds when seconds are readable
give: 8,09
